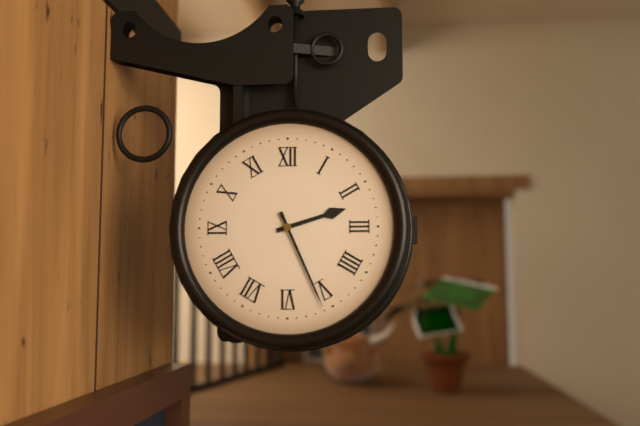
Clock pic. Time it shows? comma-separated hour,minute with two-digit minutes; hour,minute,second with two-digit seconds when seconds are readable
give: 2,26
